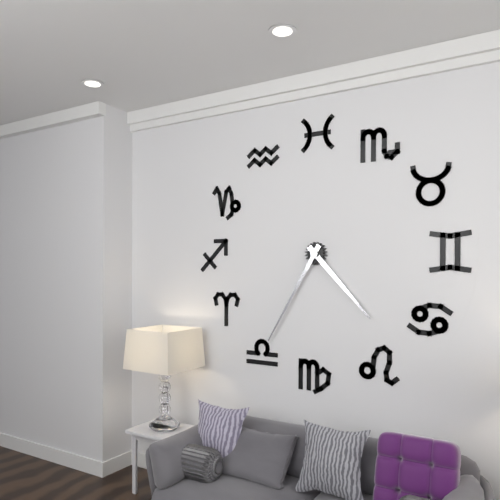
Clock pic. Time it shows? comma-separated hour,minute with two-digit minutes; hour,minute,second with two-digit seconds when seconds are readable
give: 4,35
